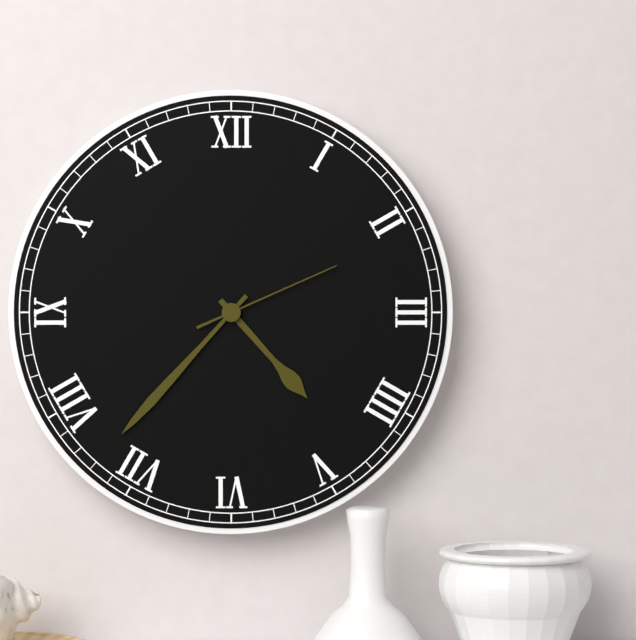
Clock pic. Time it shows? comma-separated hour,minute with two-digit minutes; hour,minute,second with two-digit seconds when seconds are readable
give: 4,37,11
